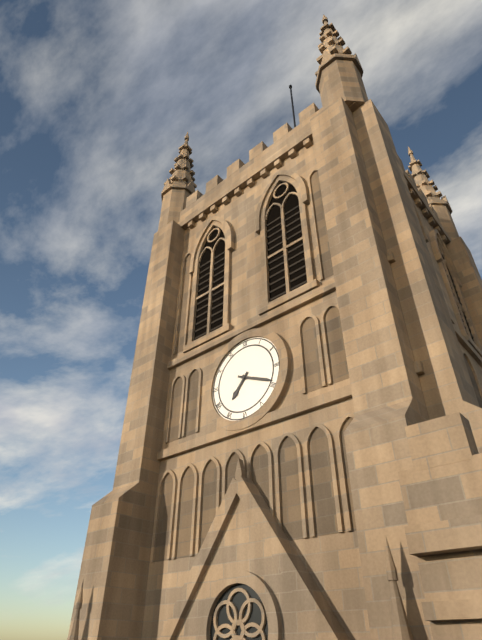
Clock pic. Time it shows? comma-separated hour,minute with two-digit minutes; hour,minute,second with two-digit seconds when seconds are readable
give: 7,19
